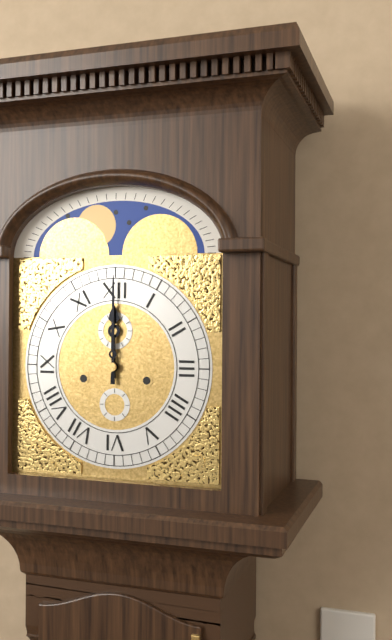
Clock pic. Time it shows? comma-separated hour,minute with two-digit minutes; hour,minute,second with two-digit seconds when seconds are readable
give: 12,00
